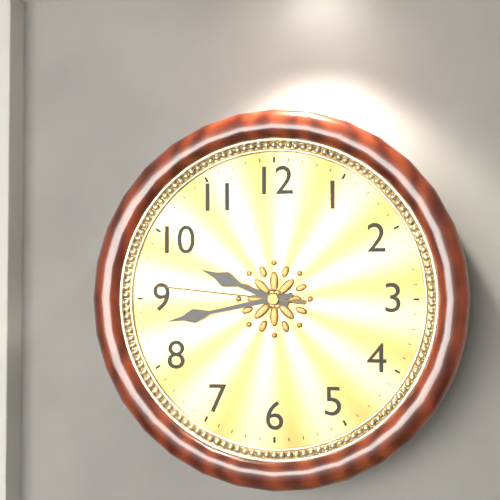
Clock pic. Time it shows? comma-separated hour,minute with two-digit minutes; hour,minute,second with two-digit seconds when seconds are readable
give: 9,43,46
